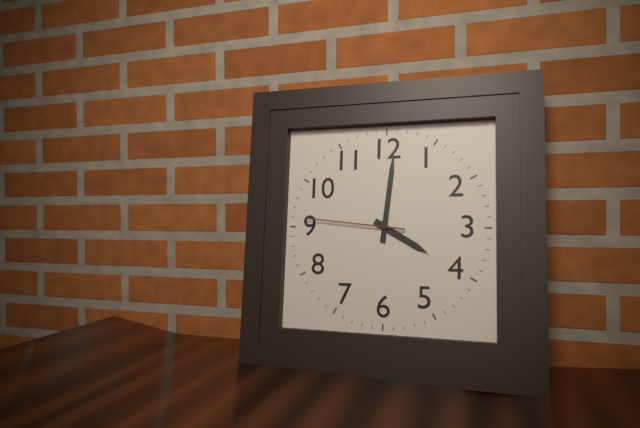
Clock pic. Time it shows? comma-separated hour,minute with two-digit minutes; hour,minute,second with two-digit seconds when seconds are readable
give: 4,01,46
